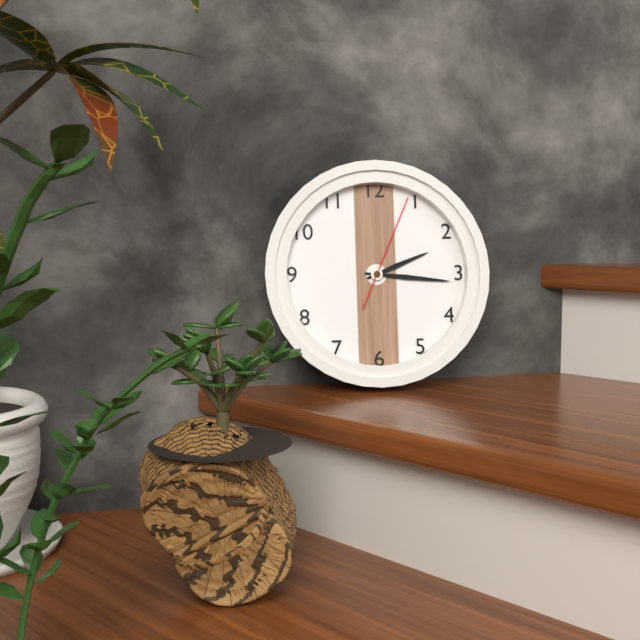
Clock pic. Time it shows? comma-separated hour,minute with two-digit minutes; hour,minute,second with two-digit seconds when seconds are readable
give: 2,16,04
